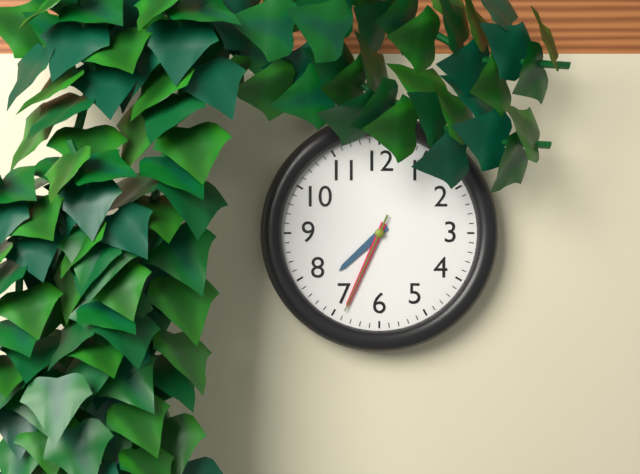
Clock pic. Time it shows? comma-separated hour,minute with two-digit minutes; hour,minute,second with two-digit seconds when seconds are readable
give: 7,34,34
